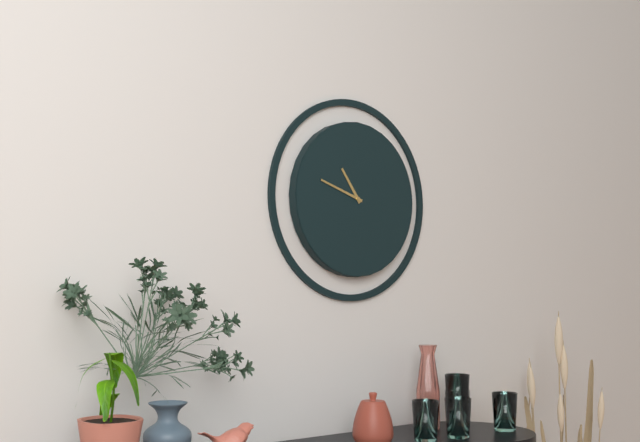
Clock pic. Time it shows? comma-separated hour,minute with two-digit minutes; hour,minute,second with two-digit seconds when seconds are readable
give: 10,48
